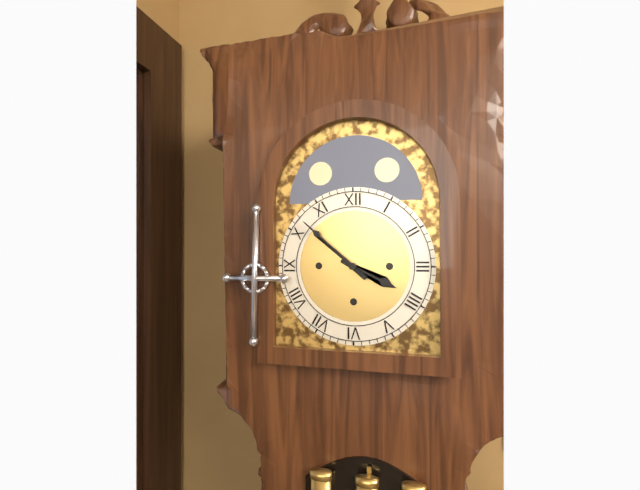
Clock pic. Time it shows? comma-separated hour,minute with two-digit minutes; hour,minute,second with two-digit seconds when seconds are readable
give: 3,52
